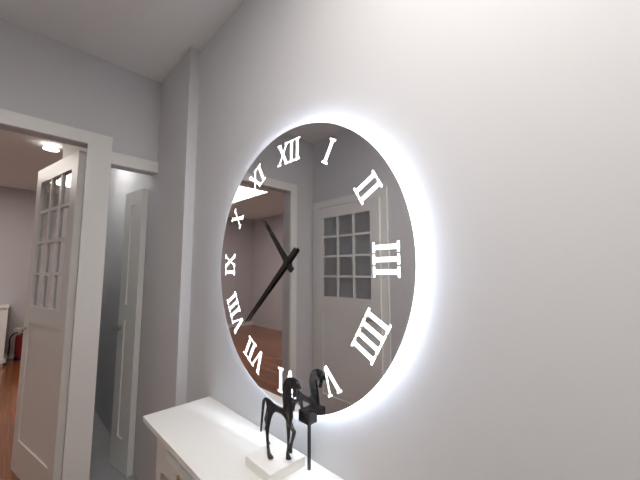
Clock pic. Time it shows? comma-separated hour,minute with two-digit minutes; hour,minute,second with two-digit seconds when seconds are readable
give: 10,38
